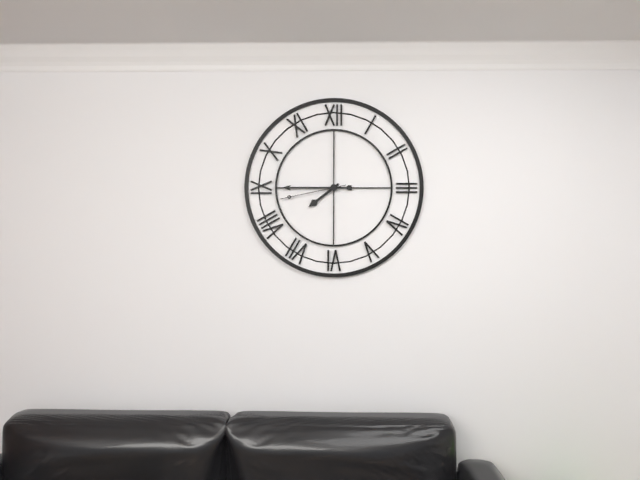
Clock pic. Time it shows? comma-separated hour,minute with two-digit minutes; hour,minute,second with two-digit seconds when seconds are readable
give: 7,45,43
